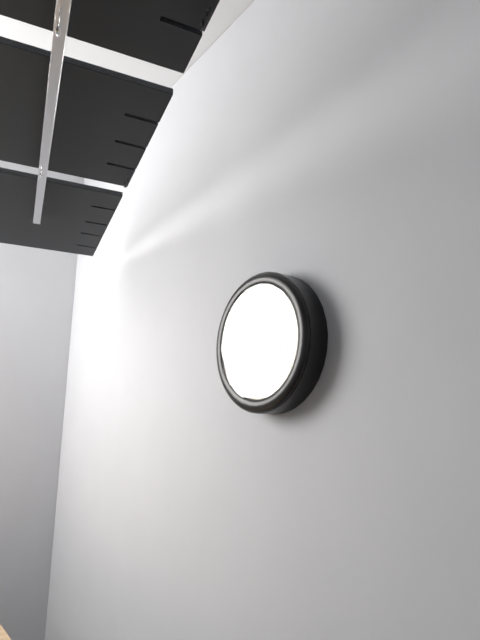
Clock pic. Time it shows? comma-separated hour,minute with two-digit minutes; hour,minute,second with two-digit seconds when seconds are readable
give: 3,38
